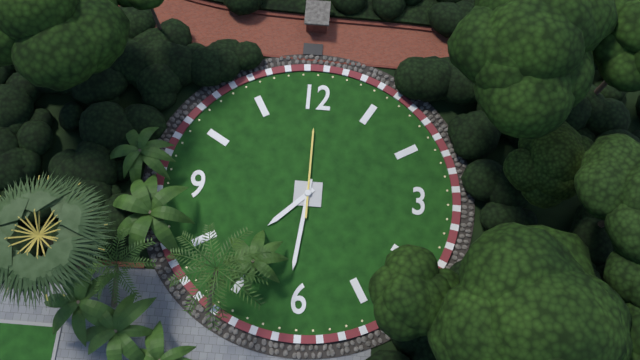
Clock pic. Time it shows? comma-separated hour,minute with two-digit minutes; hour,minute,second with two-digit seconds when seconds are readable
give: 7,31,00
